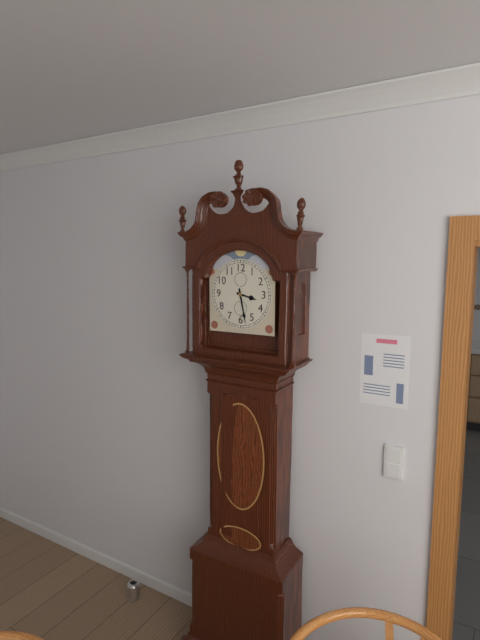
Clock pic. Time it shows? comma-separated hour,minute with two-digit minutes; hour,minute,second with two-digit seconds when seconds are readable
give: 3,28
